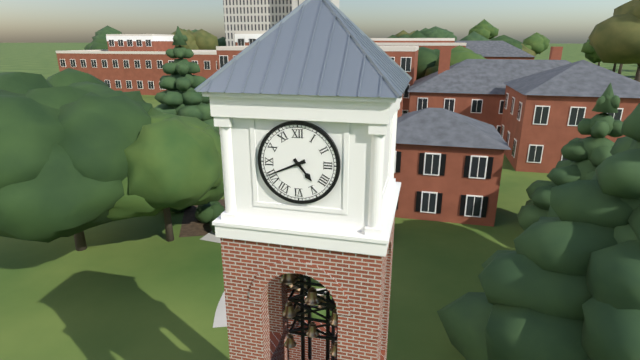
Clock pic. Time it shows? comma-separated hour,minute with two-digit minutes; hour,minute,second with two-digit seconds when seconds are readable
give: 4,41
